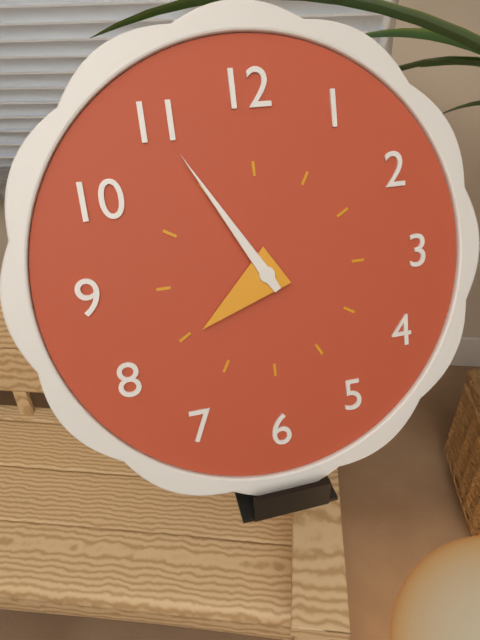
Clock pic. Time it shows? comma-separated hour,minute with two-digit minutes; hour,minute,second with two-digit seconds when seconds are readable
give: 7,55
